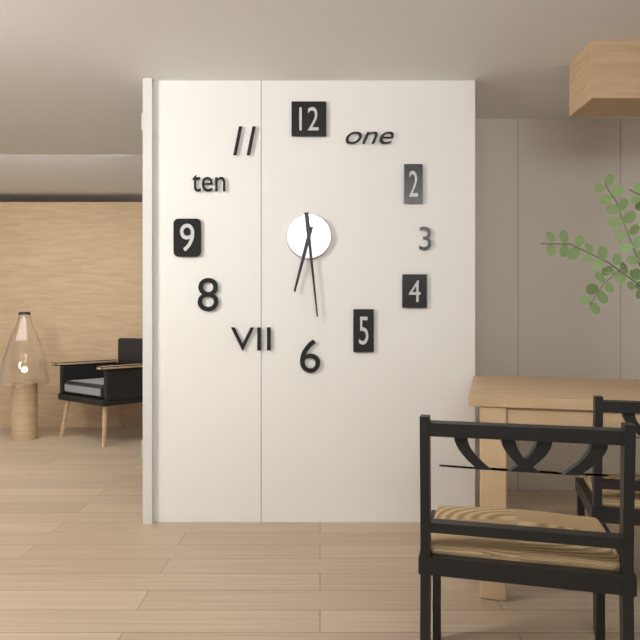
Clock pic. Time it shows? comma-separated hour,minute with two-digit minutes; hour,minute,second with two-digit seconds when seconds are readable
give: 6,29
